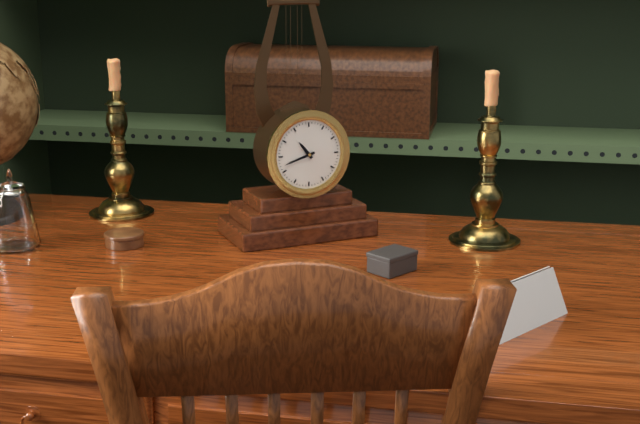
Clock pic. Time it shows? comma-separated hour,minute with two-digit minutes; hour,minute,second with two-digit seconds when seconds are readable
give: 10,42
